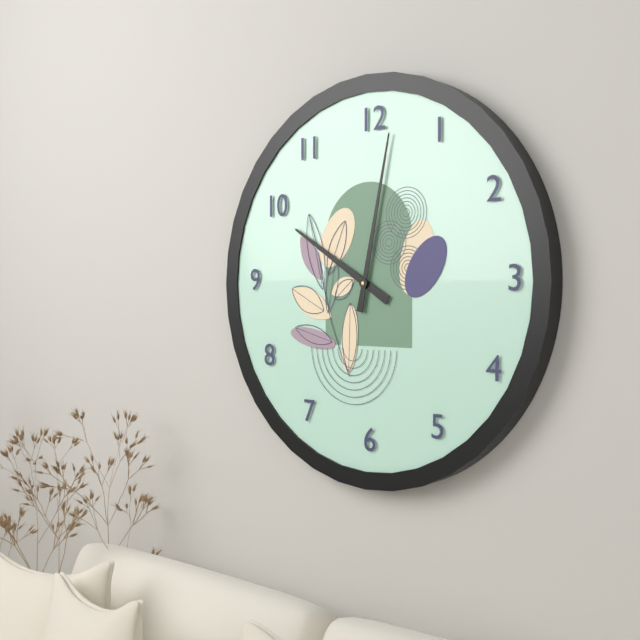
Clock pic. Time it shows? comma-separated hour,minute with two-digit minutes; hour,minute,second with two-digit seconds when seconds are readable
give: 10,02
